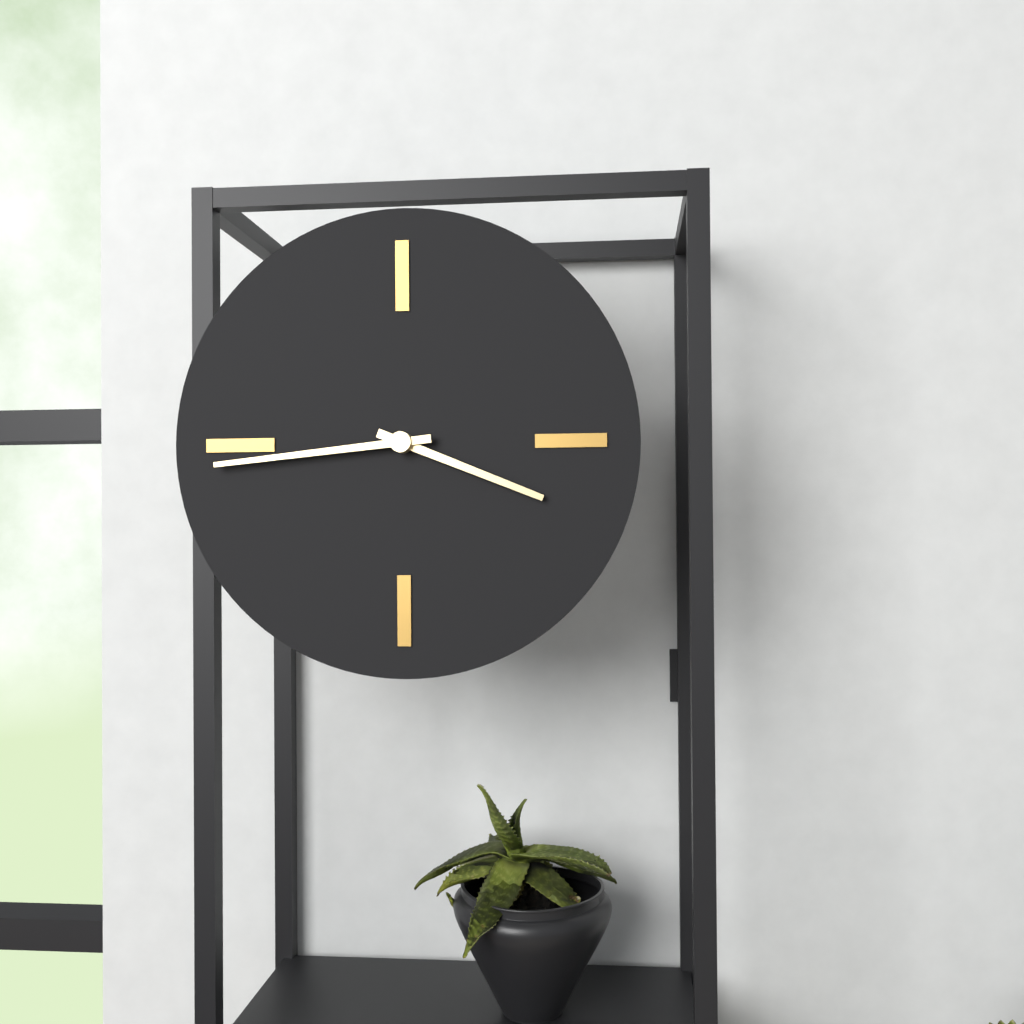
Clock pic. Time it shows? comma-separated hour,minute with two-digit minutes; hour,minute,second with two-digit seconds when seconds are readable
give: 3,44
